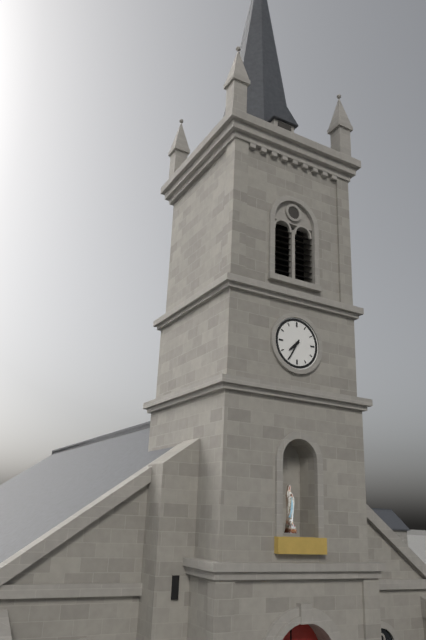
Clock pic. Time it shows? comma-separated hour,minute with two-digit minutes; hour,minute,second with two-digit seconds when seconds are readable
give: 7,35
